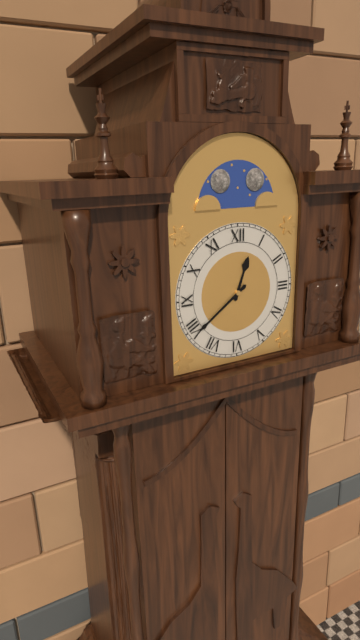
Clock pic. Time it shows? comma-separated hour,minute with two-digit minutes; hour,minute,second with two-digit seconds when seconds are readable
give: 12,39
